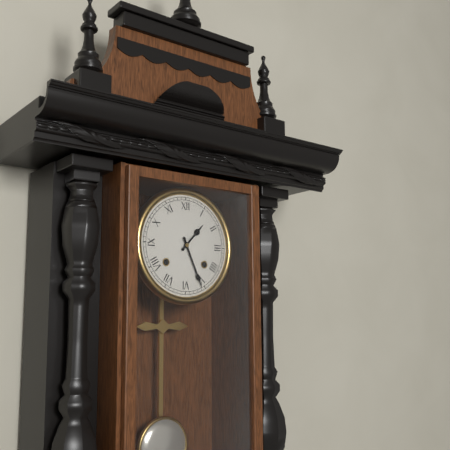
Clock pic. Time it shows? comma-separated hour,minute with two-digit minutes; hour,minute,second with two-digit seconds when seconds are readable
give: 1,26
